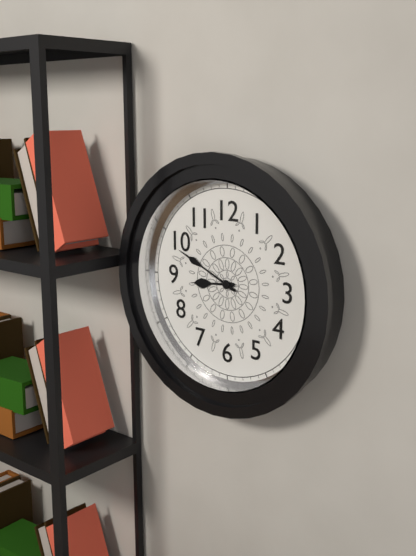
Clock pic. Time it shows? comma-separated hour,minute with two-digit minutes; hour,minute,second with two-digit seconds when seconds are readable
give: 8,49
